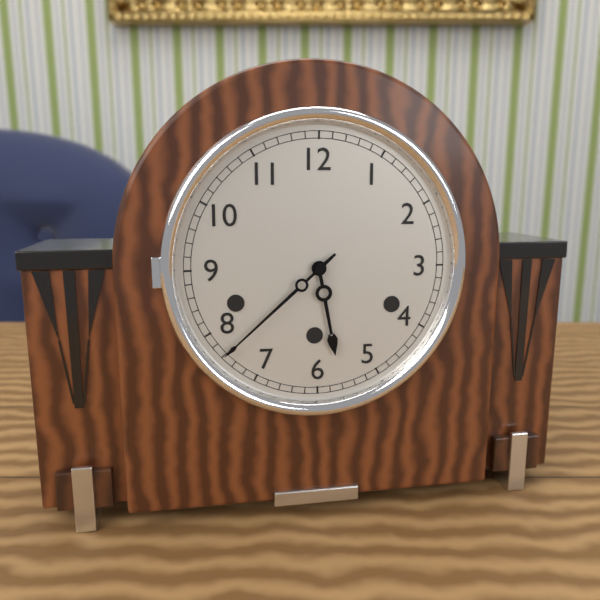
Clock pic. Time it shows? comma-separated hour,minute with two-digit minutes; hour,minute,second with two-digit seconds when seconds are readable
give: 5,38
